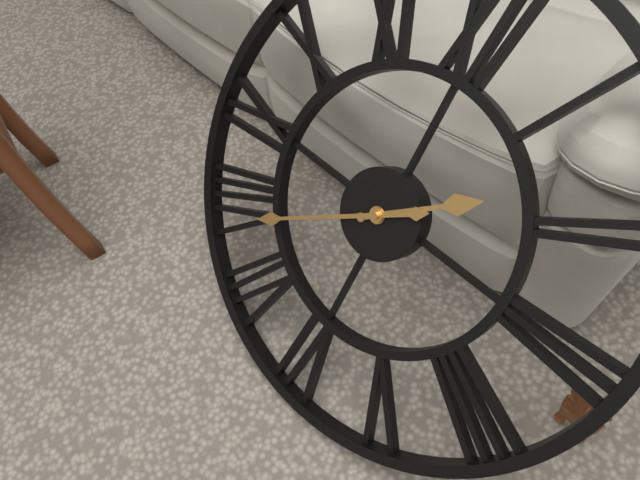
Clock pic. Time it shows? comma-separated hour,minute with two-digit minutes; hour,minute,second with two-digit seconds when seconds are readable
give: 1,39
